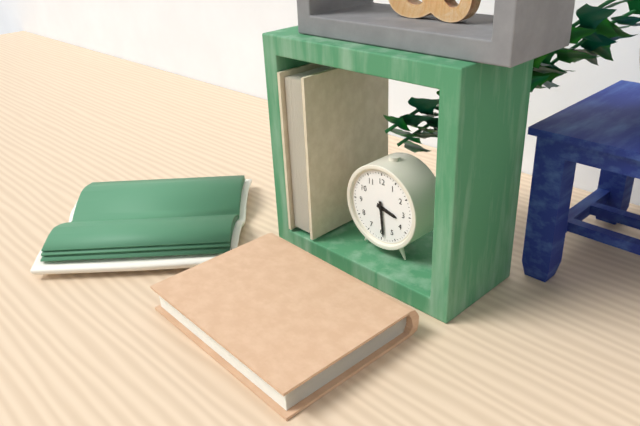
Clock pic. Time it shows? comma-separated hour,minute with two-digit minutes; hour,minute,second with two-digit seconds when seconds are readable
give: 3,29
